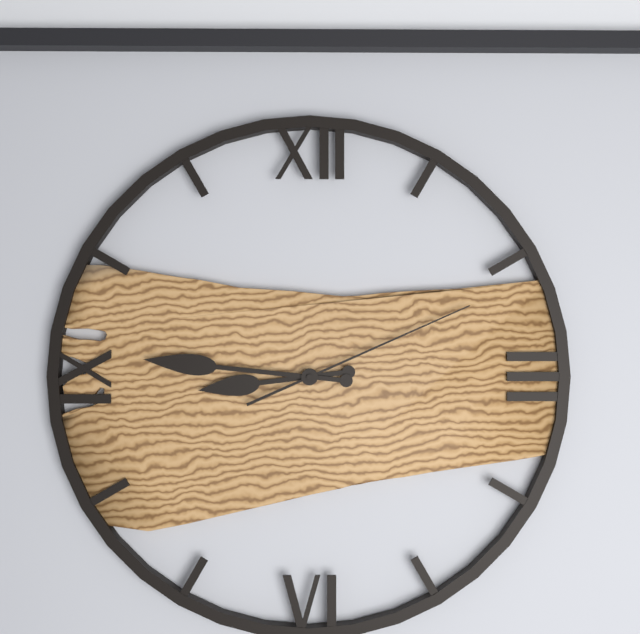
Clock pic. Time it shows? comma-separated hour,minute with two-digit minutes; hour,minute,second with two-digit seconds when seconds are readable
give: 8,46,11
